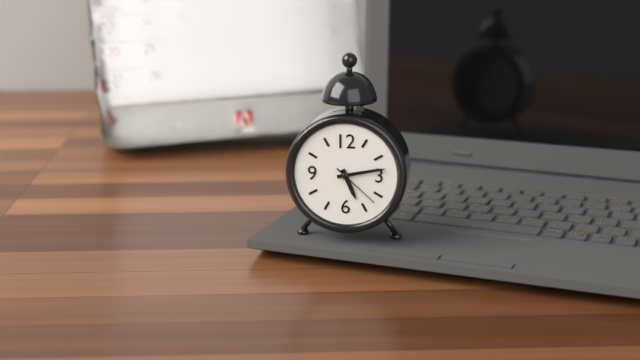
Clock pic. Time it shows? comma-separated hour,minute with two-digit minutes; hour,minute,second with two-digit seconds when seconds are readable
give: 5,13
